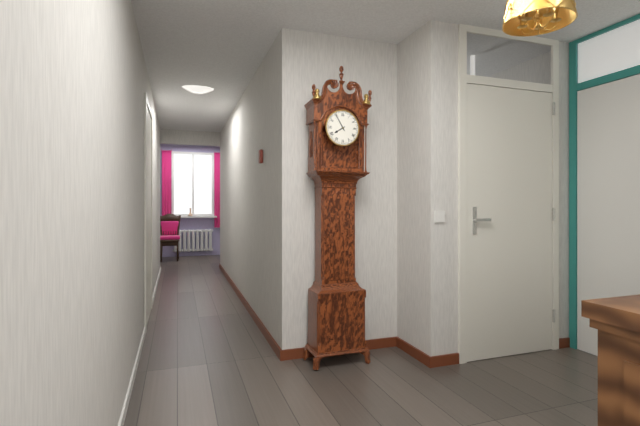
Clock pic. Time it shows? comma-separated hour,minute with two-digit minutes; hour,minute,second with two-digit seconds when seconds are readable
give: 7,55
